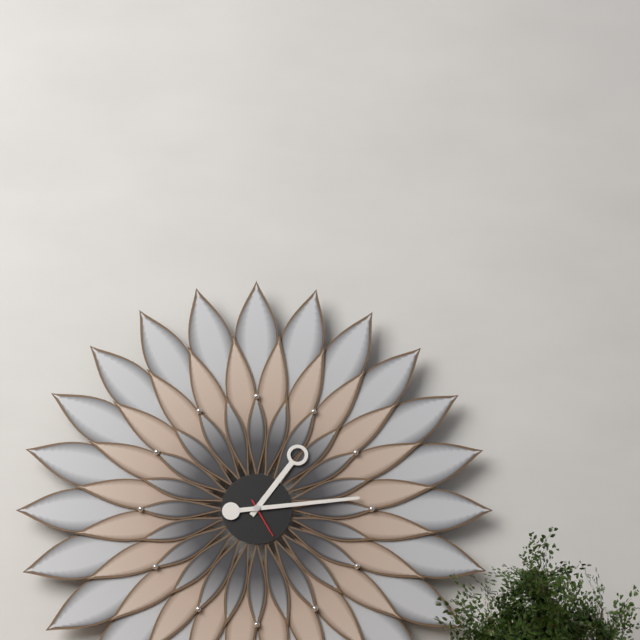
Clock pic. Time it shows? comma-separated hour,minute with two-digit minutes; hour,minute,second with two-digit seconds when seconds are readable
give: 1,14
